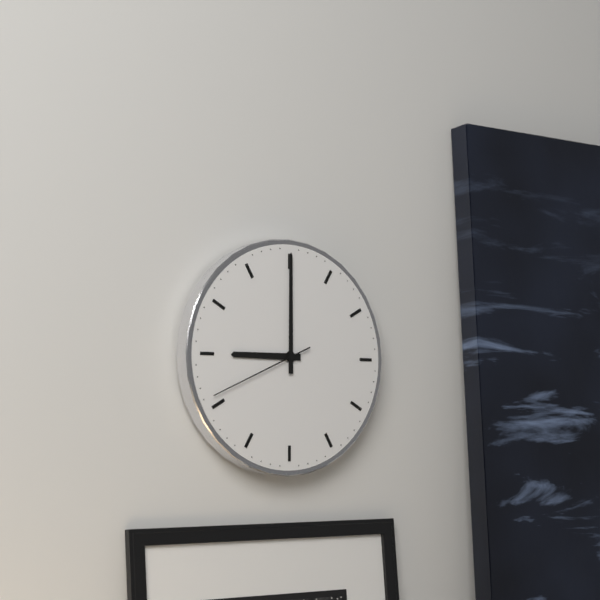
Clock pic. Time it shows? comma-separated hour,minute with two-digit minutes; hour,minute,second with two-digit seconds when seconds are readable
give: 9,00,41
